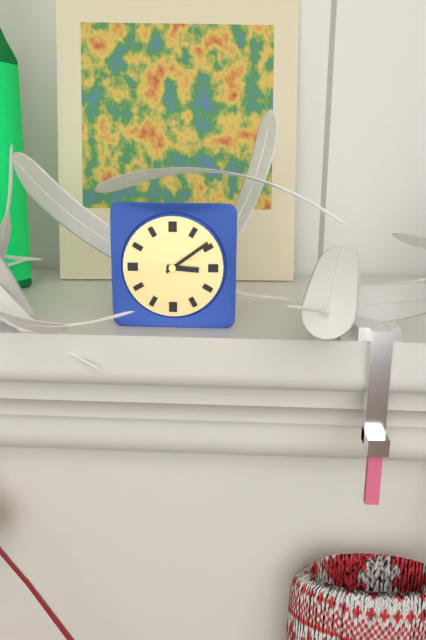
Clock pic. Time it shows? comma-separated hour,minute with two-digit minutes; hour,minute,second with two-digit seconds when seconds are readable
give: 3,09
